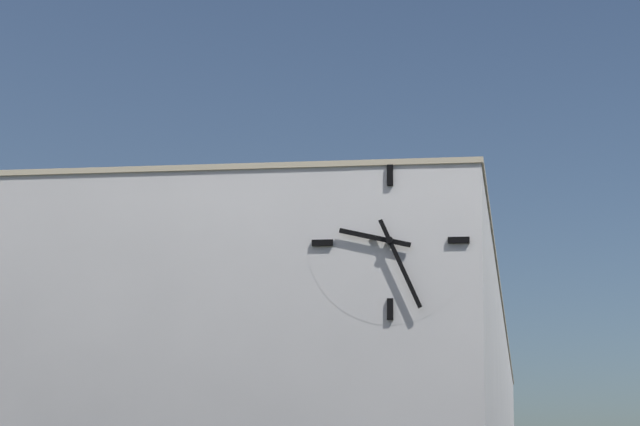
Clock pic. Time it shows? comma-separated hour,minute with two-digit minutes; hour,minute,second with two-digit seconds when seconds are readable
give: 9,26
